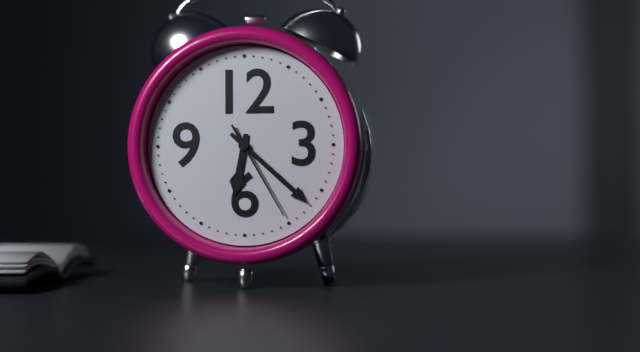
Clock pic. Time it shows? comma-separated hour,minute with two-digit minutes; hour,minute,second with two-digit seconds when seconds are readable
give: 6,22,25
